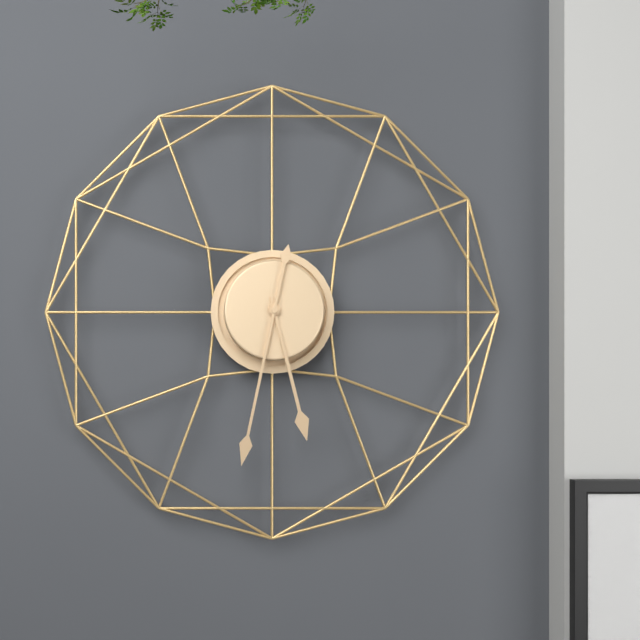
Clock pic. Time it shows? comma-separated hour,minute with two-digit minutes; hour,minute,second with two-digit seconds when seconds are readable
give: 5,32
